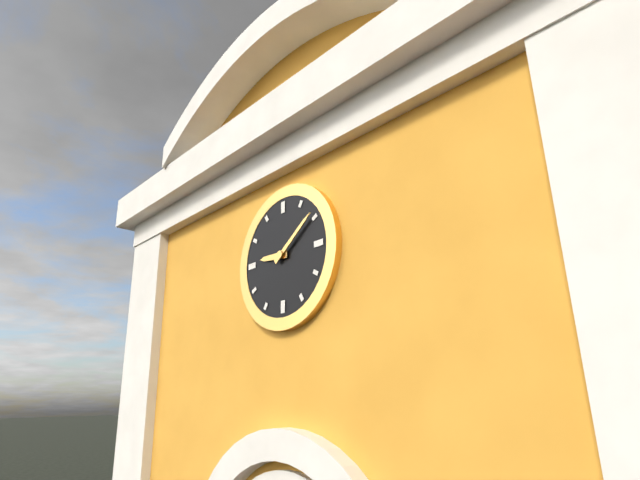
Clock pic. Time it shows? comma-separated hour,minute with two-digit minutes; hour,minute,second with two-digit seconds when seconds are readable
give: 9,09
